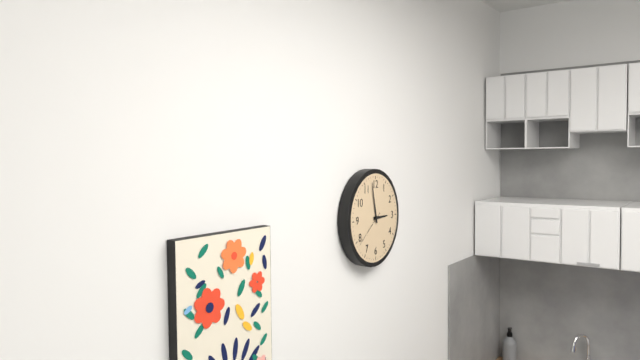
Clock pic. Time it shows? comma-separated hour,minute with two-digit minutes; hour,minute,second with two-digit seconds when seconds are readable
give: 2,58
